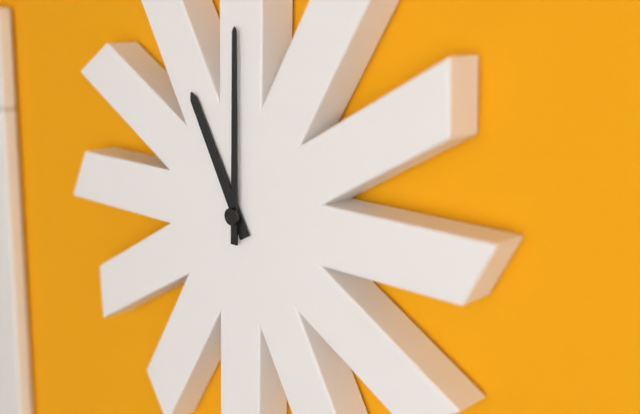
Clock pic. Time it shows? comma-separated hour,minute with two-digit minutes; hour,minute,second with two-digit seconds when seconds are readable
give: 11,00
